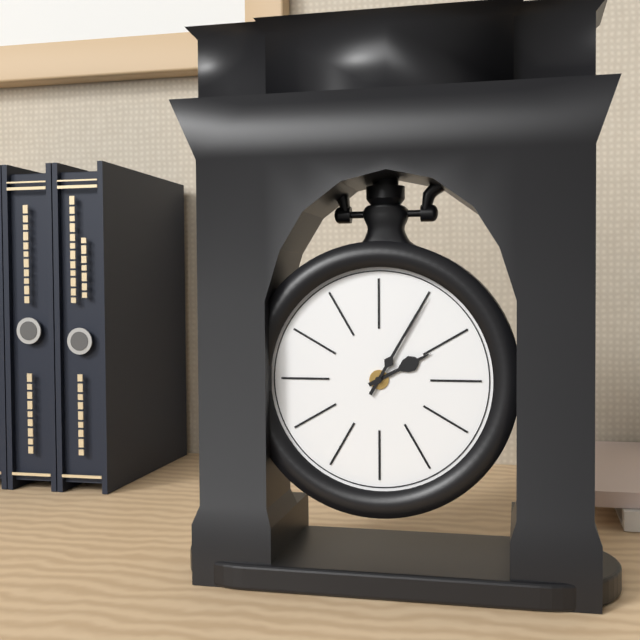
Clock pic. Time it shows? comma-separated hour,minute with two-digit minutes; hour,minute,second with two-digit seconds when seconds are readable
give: 2,05
